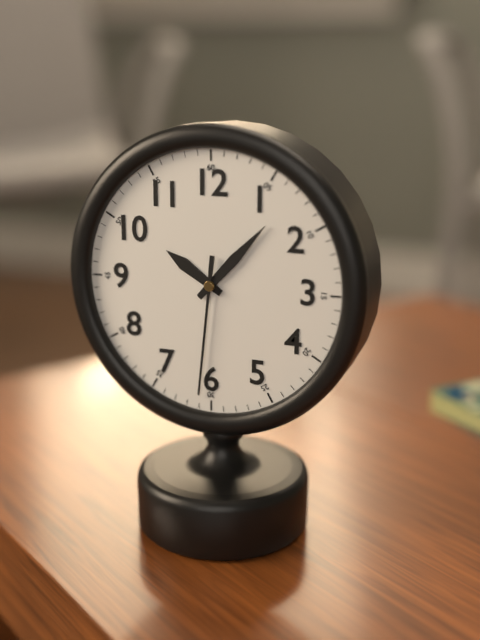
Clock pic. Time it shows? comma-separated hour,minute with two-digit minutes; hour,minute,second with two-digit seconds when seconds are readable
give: 10,07,31
